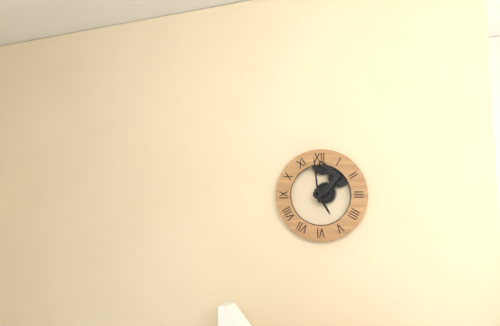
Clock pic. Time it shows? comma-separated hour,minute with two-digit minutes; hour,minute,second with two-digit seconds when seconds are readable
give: 4,59
